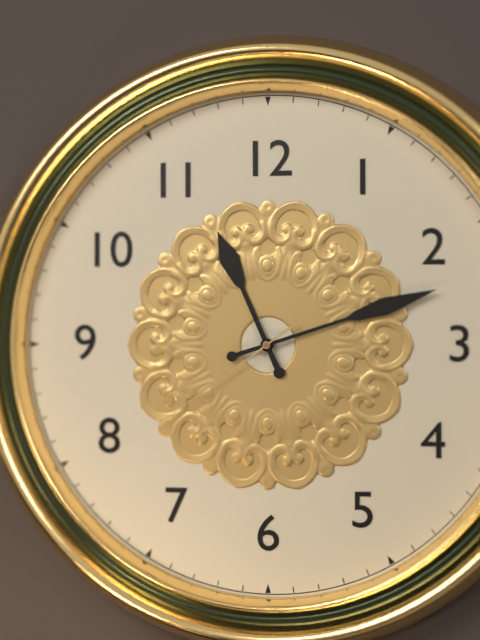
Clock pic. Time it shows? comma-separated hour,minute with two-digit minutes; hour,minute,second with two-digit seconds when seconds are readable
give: 11,12,39
